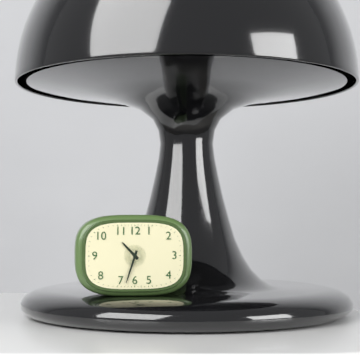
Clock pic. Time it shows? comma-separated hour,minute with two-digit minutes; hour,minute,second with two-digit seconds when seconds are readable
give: 10,33
